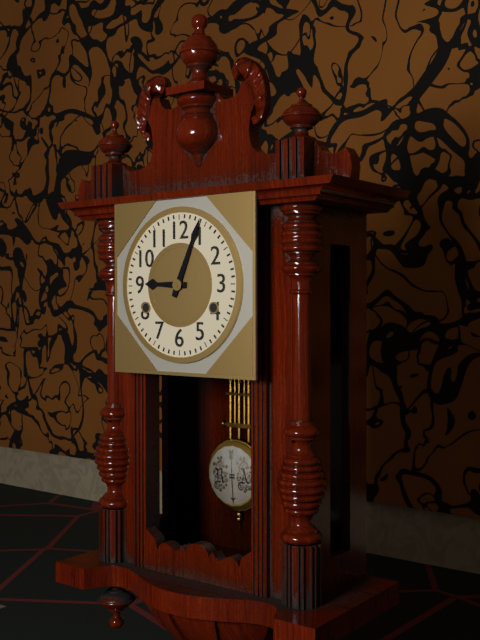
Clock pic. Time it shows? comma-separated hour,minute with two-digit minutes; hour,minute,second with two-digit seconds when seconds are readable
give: 9,04
